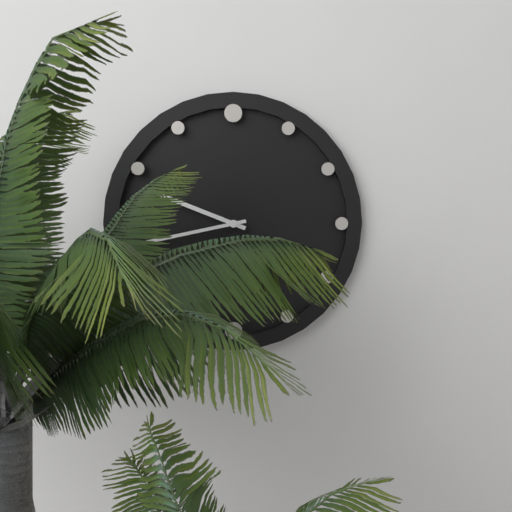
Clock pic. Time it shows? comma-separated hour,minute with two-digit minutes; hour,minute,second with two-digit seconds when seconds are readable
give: 9,43
